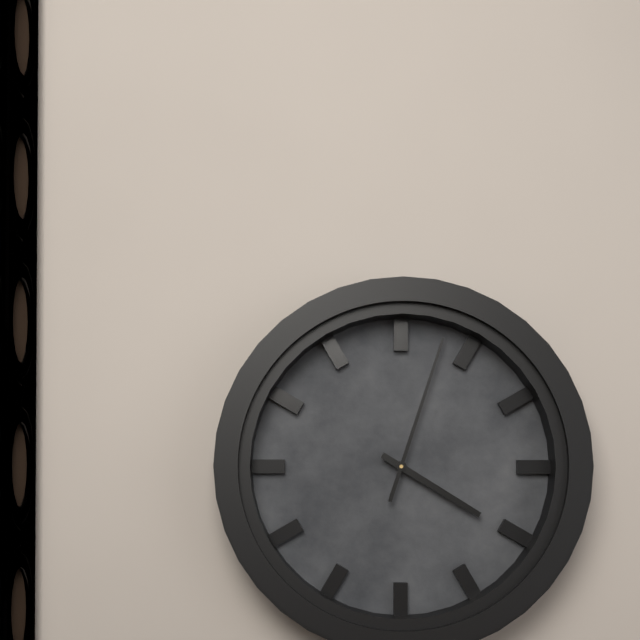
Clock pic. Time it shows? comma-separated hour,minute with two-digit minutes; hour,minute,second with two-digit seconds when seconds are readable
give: 4,03
